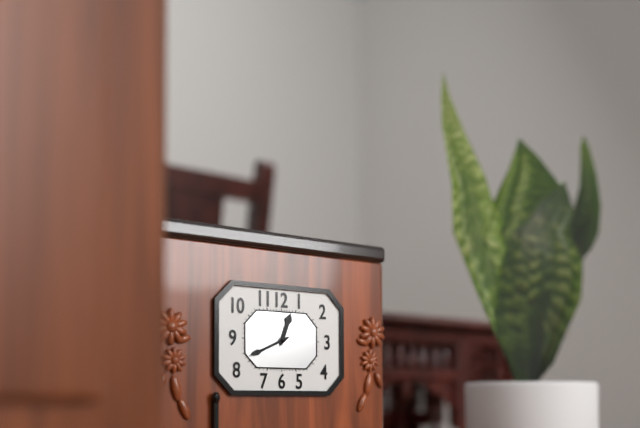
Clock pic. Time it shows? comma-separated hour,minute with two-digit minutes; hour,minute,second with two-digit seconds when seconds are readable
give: 12,41
